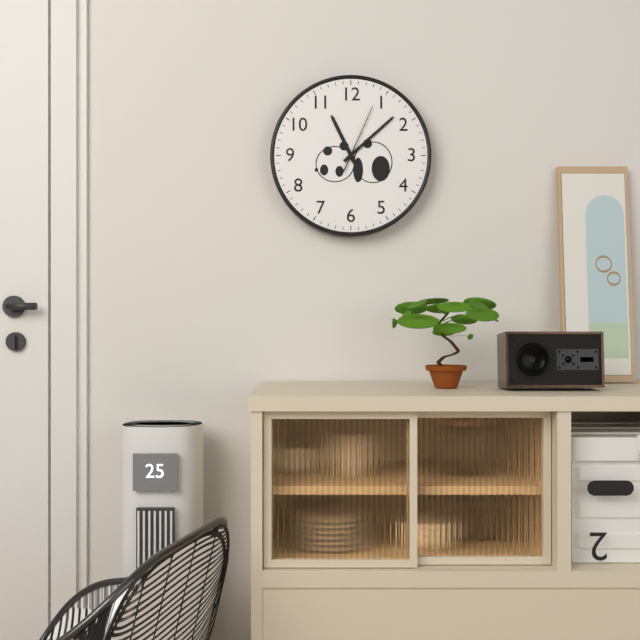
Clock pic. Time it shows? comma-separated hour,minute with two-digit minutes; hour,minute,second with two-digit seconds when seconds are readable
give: 11,08,04
